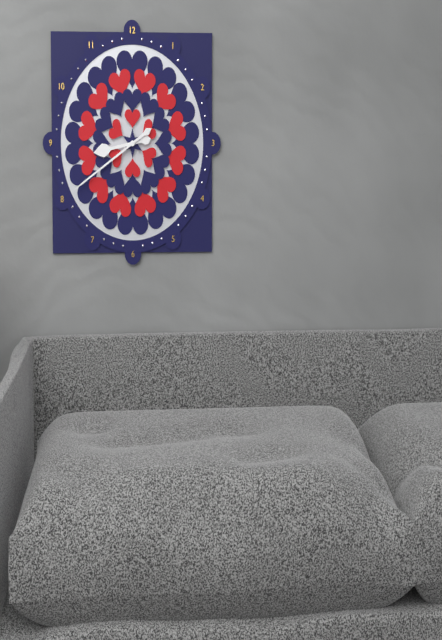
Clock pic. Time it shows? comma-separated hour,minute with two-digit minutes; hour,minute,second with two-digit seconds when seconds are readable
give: 8,40
